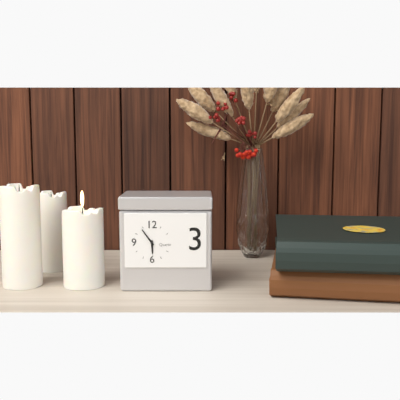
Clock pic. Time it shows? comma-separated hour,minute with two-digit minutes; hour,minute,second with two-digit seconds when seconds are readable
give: 5,54
